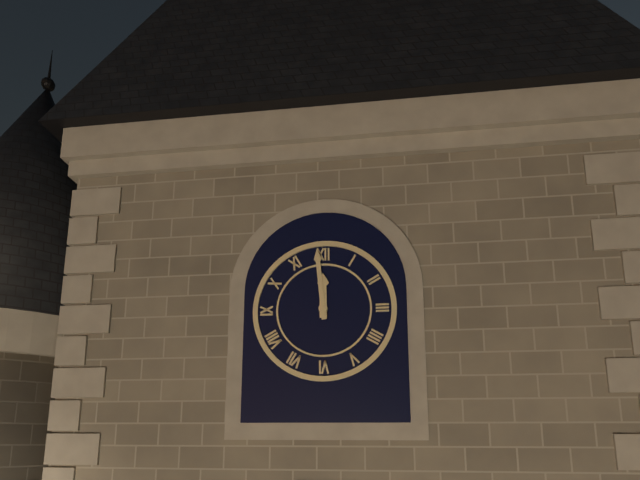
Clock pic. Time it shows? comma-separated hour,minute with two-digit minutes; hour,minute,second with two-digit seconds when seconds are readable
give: 11,59
